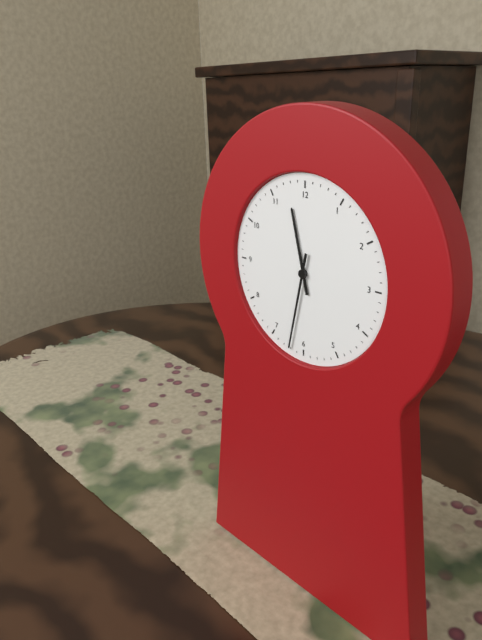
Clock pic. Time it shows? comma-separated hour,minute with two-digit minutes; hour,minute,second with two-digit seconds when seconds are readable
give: 11,32
